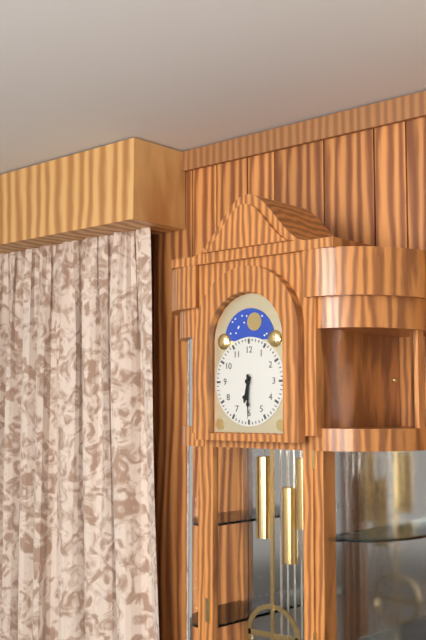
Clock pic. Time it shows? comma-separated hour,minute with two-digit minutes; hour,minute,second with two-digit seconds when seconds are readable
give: 6,30
